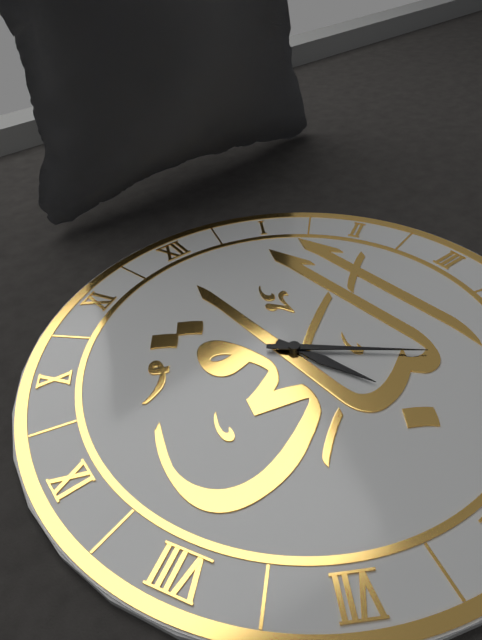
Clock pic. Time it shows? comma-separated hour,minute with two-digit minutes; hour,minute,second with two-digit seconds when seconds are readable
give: 5,22
